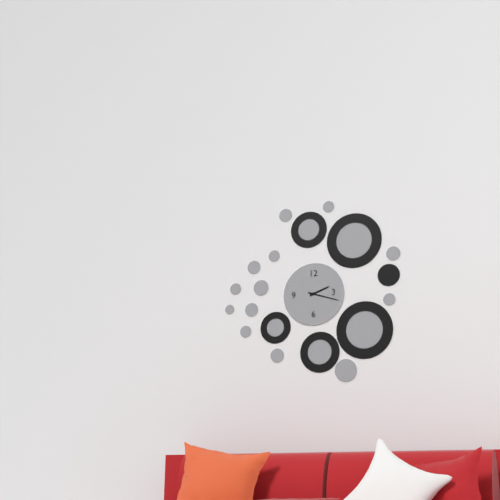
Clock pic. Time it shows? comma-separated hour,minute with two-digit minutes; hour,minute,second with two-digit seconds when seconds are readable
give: 2,18
